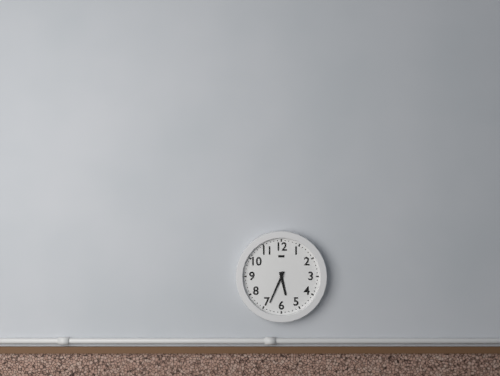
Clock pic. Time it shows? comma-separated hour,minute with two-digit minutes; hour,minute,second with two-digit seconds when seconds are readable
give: 5,34
